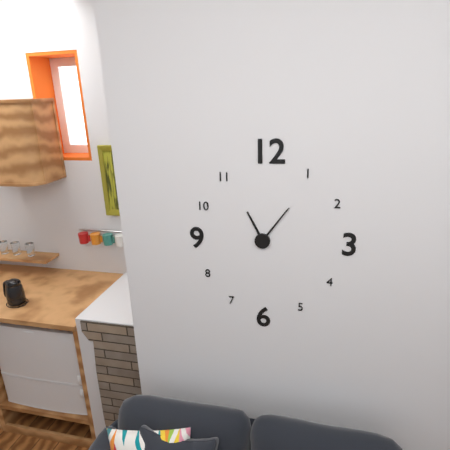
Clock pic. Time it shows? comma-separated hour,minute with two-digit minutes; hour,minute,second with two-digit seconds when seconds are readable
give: 11,06
